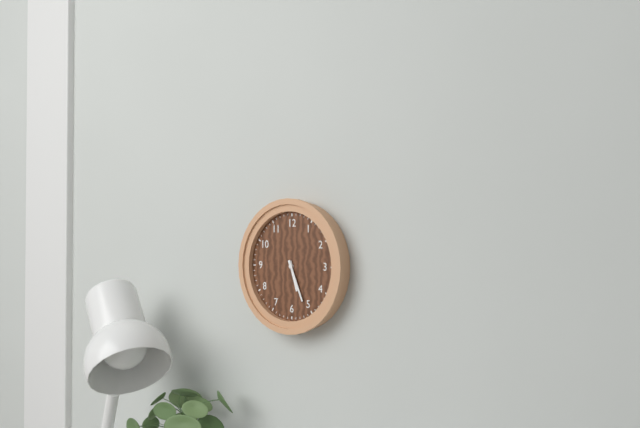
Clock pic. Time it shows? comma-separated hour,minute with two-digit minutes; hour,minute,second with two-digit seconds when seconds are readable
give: 5,26
